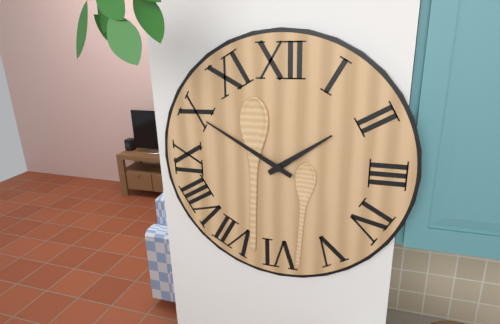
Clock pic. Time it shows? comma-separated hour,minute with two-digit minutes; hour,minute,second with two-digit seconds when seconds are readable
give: 1,50
